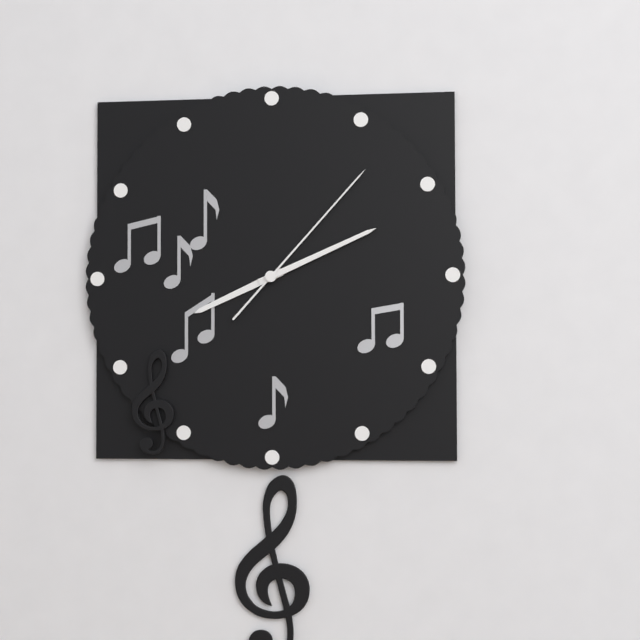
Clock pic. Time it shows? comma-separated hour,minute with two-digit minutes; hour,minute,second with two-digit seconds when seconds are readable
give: 8,11,07
